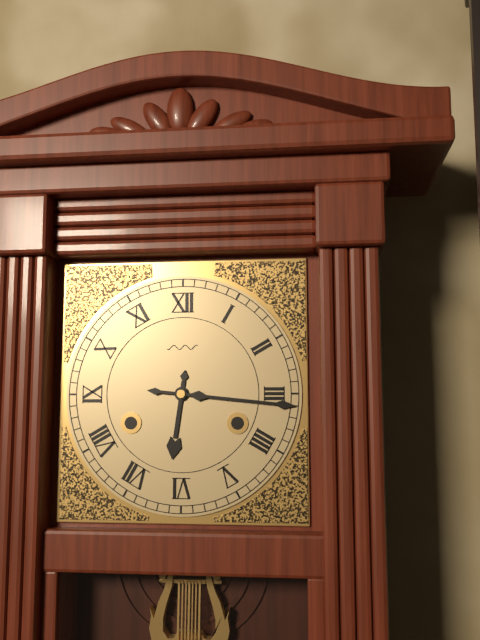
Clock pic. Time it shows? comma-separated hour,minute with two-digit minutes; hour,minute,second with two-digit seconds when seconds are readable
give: 6,16
